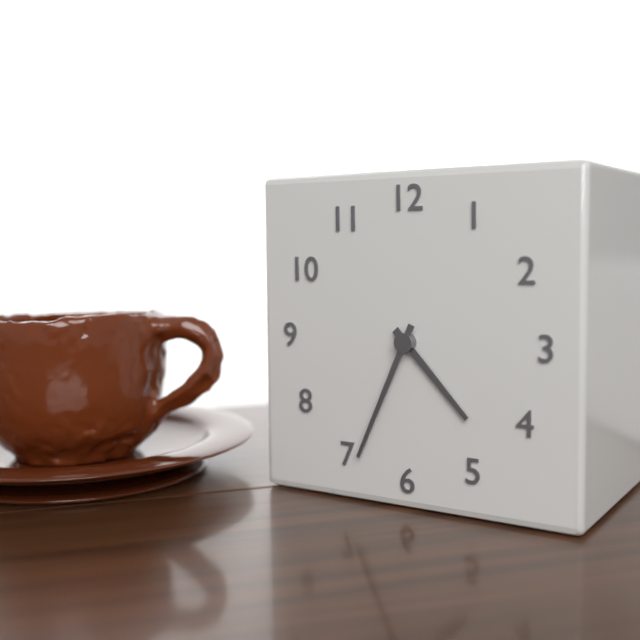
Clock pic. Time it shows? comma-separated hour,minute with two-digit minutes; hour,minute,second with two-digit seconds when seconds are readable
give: 4,34
